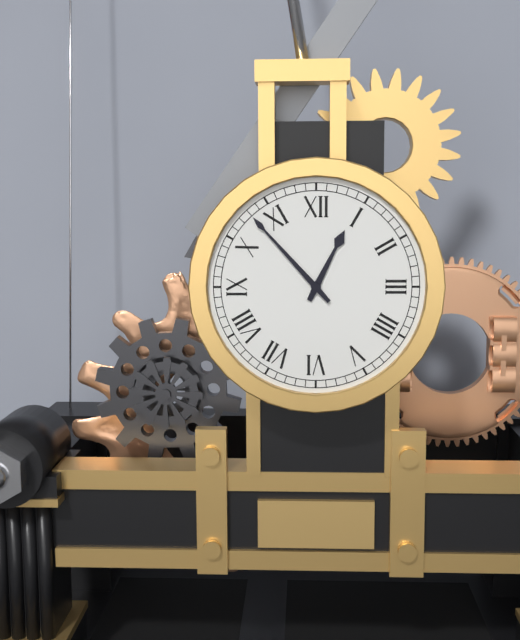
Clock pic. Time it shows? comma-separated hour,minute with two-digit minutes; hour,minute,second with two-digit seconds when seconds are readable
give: 12,53
